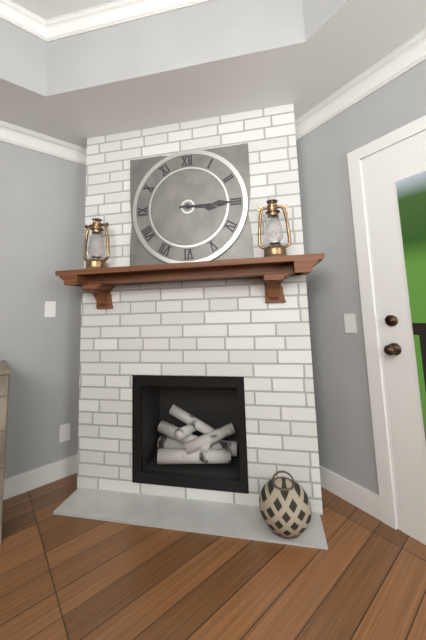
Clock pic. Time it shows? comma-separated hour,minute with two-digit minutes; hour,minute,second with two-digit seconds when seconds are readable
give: 3,15
